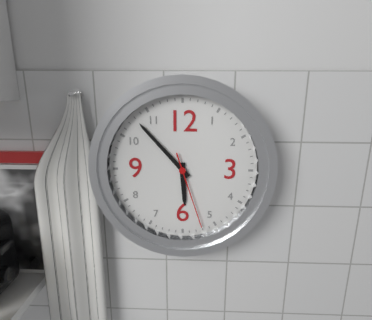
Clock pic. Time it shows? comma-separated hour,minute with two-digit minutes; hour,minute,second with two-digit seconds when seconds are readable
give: 5,53,27
